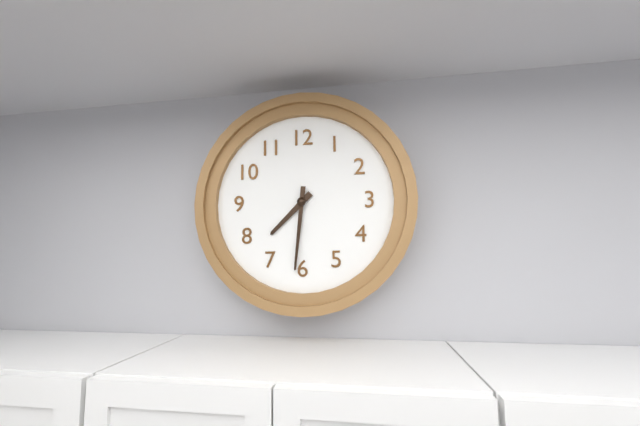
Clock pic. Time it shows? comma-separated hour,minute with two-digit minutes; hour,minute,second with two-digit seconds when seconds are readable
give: 7,31
